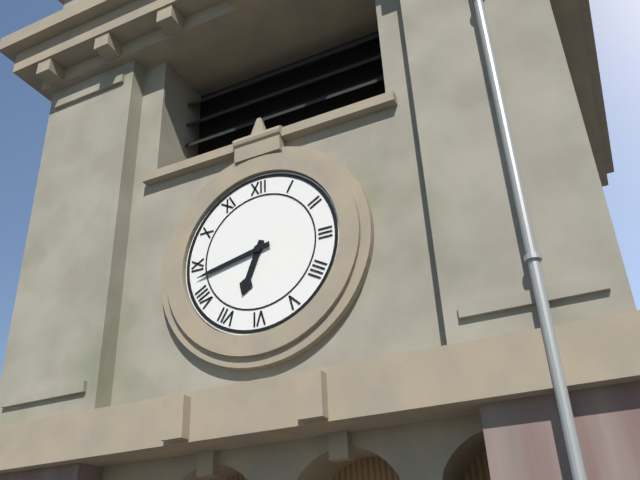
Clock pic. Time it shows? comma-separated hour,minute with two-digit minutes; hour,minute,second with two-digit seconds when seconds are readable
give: 6,43
